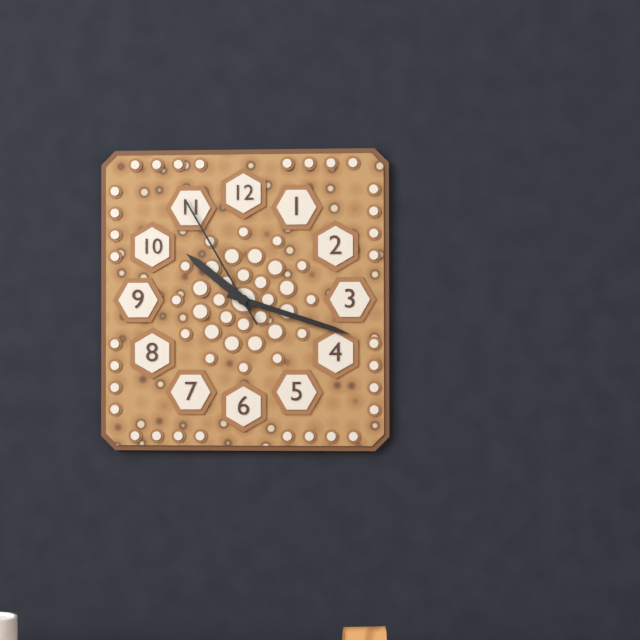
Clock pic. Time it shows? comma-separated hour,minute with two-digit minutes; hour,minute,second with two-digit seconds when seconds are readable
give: 10,18,55
